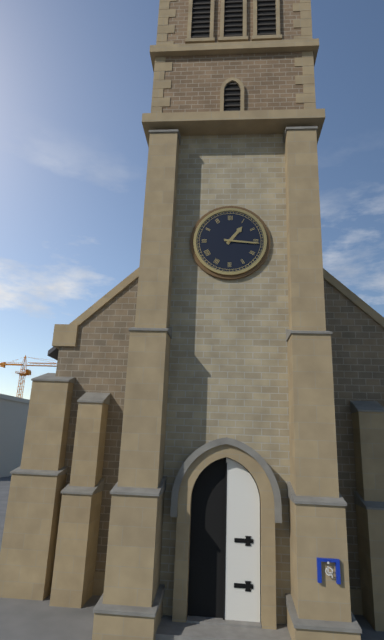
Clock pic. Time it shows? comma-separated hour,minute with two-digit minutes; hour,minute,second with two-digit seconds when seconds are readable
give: 1,16
